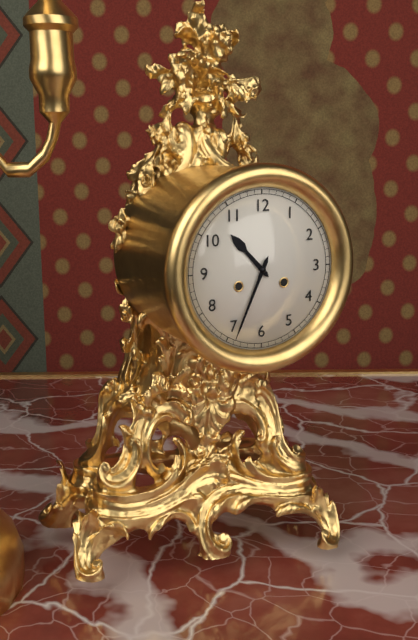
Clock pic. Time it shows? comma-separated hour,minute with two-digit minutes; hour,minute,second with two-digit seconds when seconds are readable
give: 10,34
